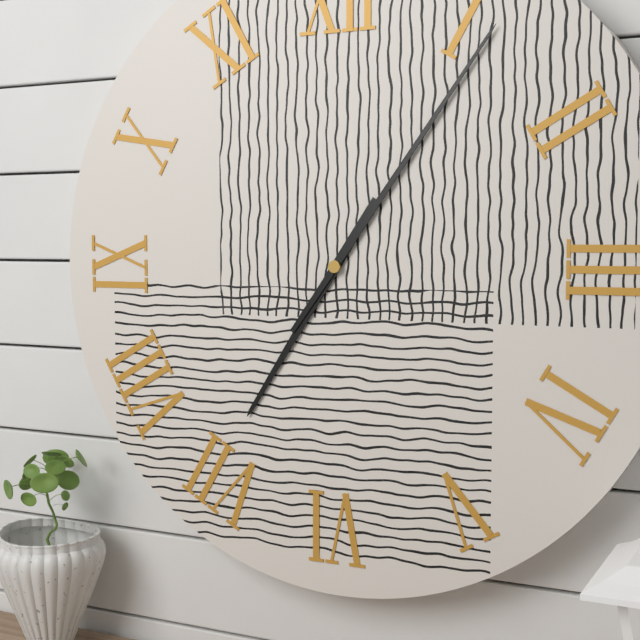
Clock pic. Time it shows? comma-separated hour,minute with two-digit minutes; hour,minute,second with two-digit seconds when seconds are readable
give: 7,06
